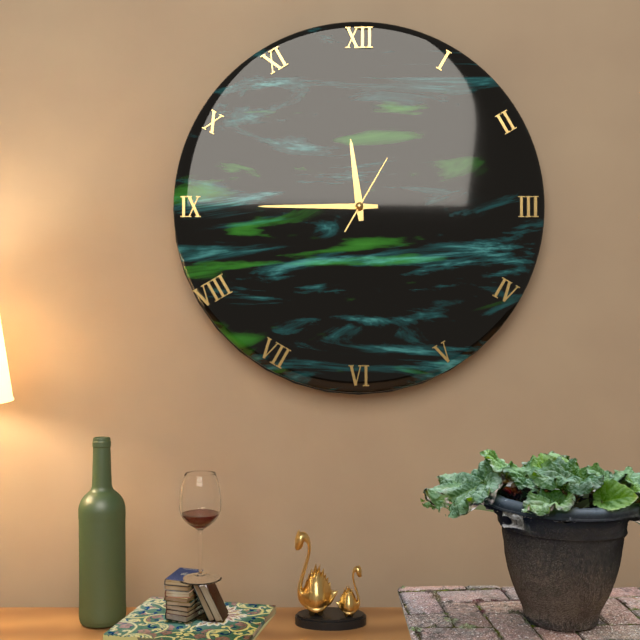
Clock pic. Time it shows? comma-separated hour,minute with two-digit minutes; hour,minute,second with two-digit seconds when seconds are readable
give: 11,45,05
